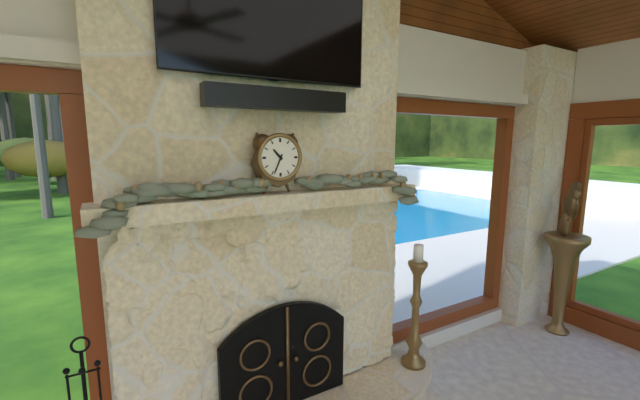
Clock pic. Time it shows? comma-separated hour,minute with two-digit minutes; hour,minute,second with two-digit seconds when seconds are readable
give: 10,34
